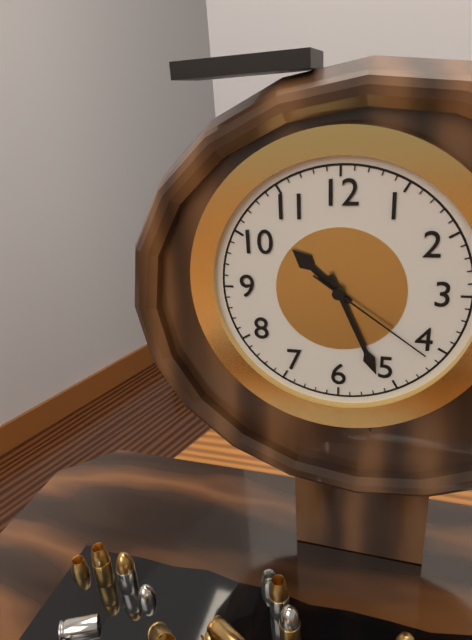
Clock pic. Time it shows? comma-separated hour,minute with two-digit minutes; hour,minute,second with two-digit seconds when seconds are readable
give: 10,26,21
